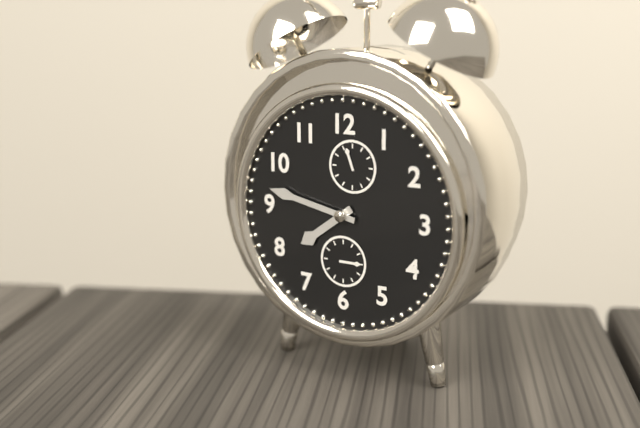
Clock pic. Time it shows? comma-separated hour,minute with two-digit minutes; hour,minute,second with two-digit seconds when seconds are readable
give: 7,47
